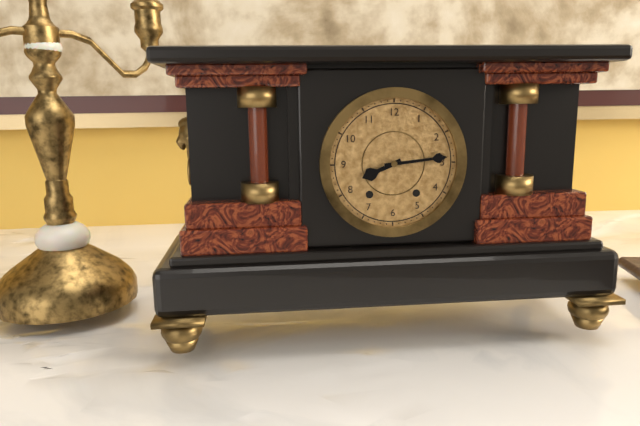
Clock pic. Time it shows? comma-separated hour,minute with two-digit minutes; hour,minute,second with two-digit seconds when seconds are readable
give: 8,14
